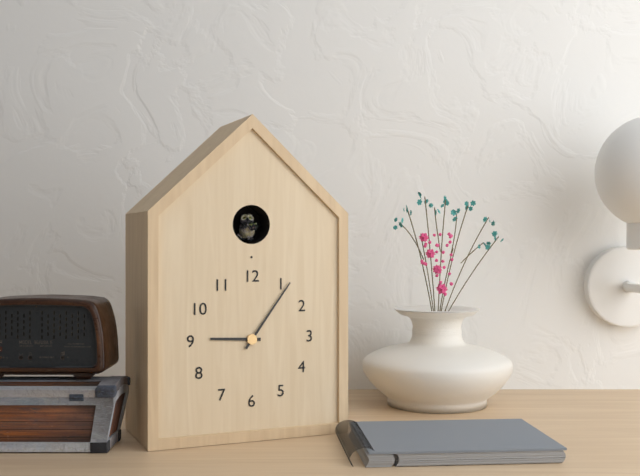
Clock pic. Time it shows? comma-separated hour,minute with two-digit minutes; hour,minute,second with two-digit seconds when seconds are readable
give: 9,06
